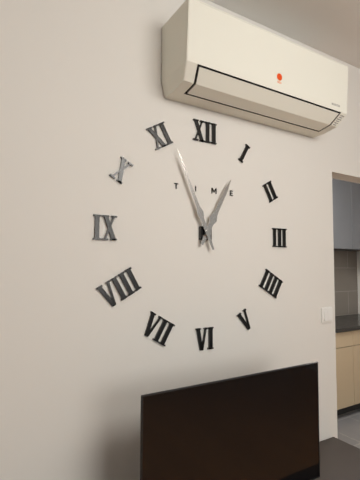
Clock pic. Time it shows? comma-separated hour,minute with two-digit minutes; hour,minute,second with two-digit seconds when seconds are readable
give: 12,56
